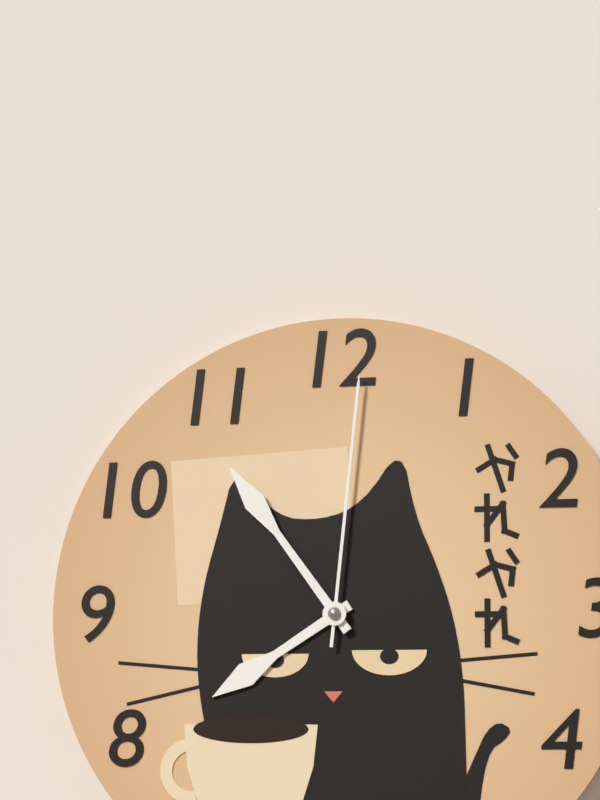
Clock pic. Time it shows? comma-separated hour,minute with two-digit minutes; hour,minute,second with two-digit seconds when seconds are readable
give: 7,54,01
